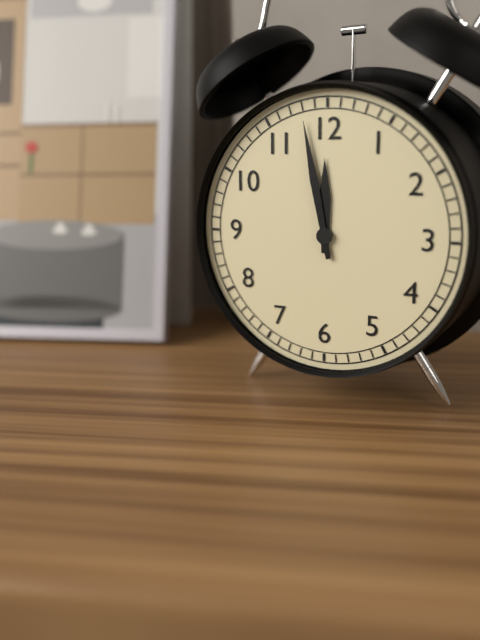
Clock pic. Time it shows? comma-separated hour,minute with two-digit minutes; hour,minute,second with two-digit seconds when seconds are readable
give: 11,58
